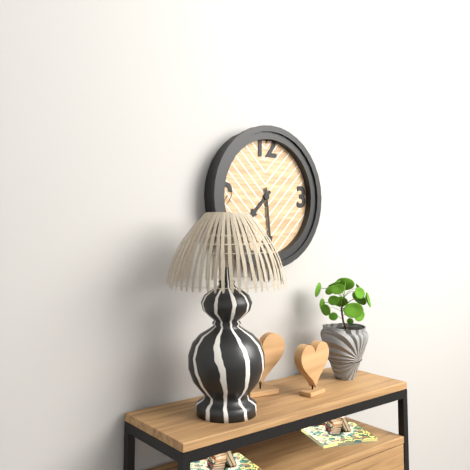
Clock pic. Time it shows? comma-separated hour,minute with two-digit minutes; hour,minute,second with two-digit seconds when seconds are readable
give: 7,29
